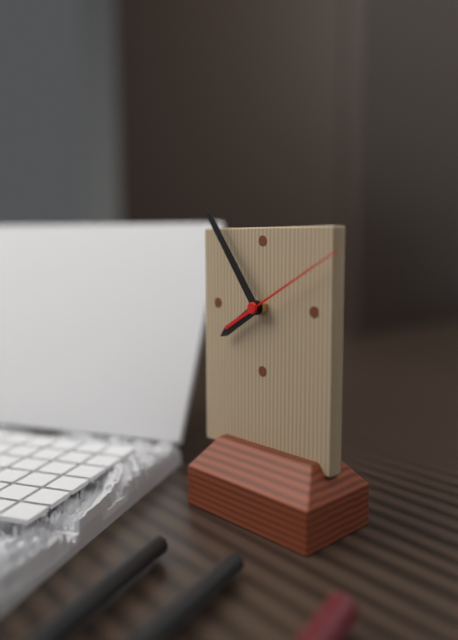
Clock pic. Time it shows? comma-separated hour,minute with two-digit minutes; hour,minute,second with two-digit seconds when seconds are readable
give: 7,54,10
